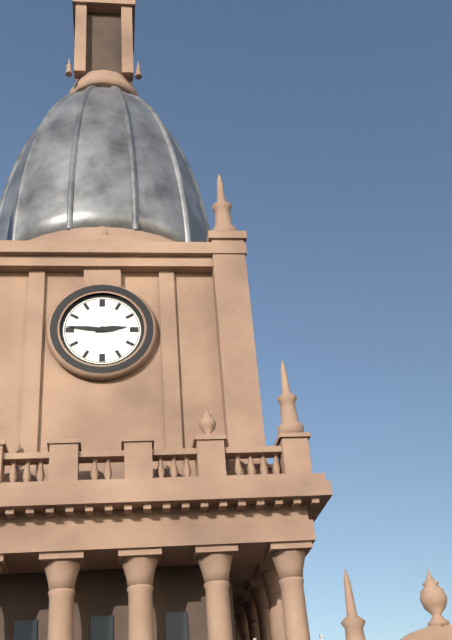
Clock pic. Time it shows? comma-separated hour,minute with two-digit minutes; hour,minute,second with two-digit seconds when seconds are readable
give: 2,46
